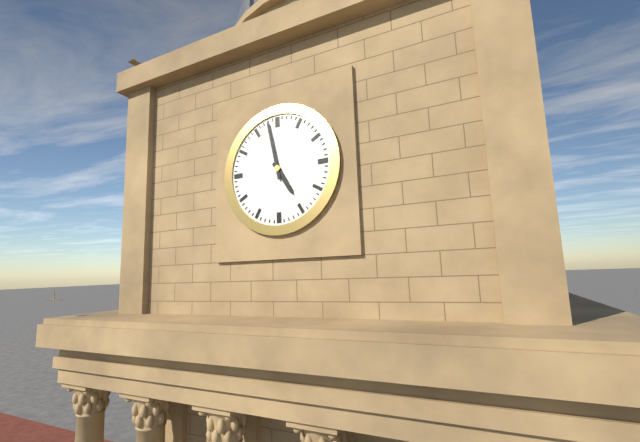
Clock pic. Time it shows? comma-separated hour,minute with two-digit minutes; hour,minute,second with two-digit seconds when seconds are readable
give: 4,58
